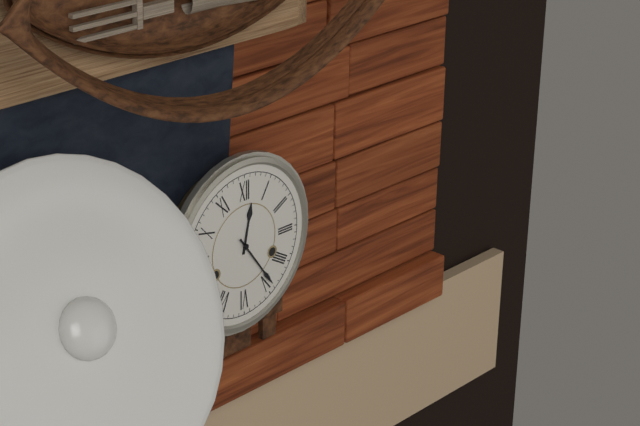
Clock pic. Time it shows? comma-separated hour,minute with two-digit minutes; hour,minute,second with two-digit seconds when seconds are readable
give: 12,24
